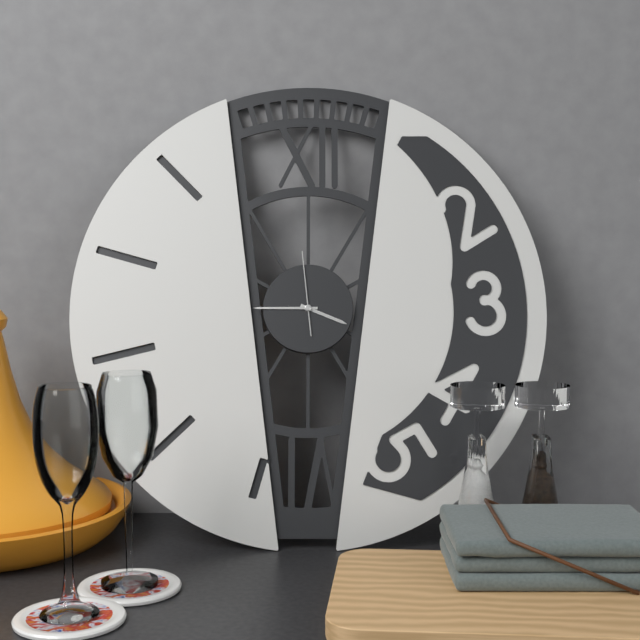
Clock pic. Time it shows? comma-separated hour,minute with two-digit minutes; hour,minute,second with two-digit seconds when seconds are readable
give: 3,45,59
